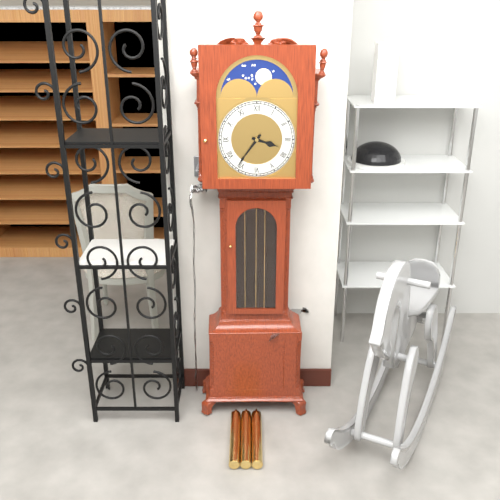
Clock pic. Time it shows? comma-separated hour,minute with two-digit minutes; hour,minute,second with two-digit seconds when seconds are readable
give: 3,36
